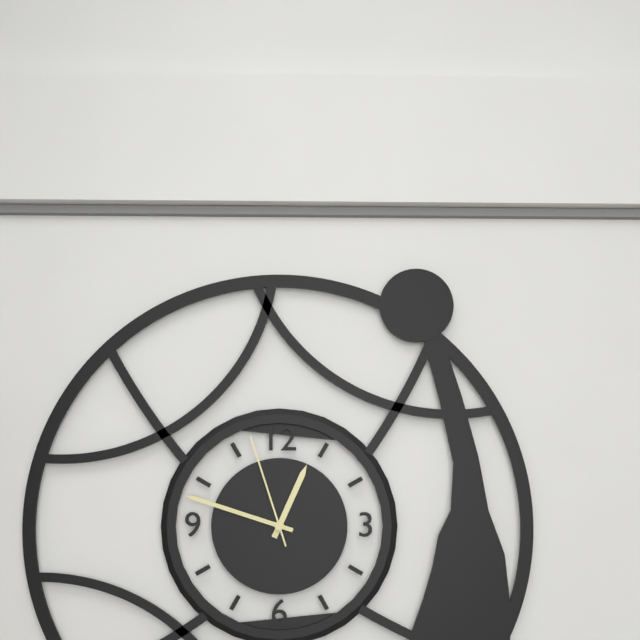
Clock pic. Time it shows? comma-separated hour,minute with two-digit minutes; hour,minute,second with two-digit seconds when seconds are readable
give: 12,48,57
